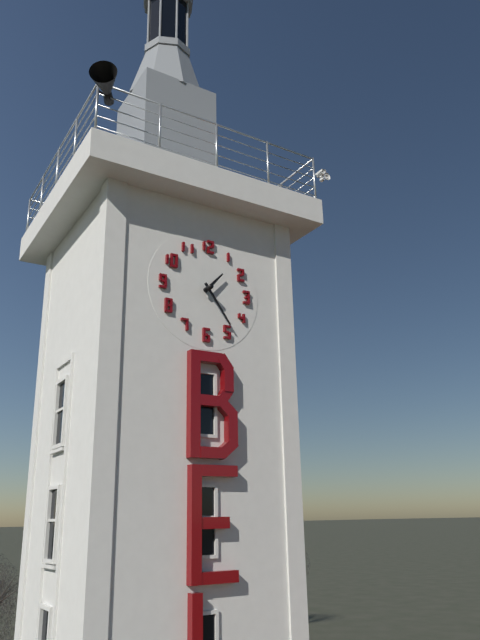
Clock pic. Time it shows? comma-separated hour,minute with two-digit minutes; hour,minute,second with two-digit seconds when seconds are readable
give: 1,24
